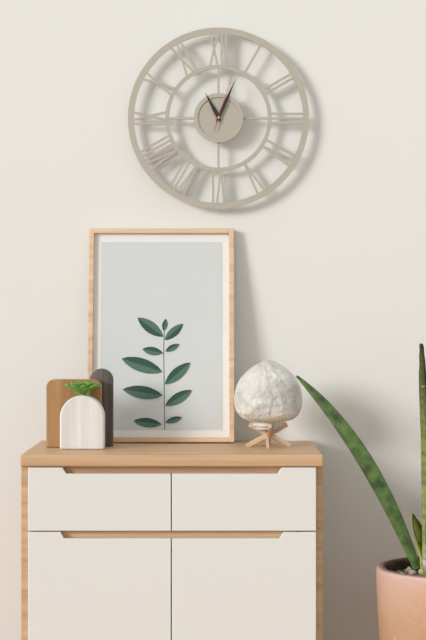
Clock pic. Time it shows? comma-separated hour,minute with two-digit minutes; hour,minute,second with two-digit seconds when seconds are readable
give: 11,04,03
